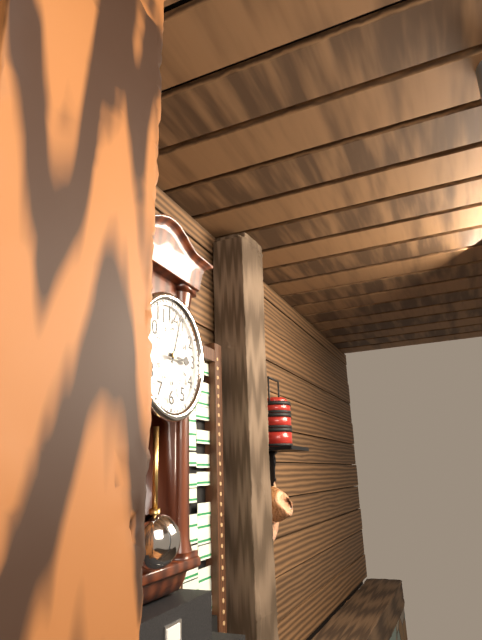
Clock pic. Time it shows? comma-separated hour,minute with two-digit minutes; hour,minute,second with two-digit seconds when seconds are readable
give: 3,03
